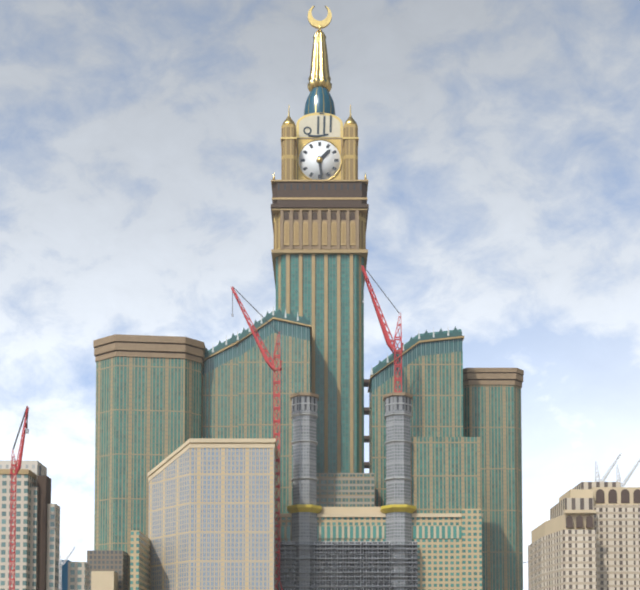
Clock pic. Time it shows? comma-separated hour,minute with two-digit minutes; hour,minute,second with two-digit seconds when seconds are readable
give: 1,29
